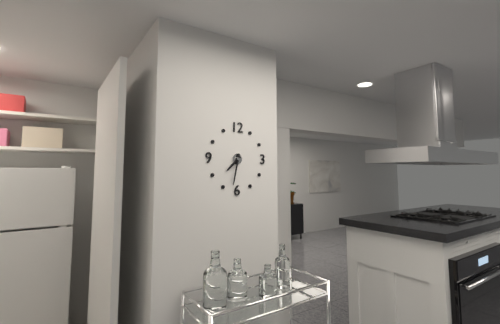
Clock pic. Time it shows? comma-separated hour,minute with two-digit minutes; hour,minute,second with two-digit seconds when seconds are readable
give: 7,32
